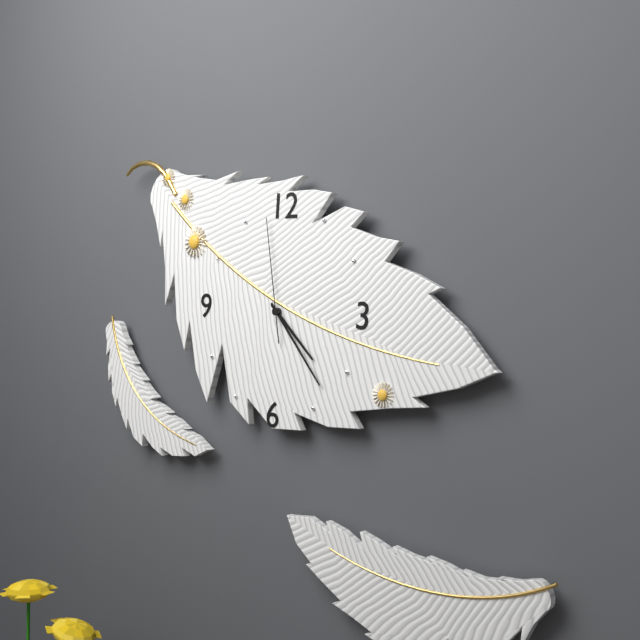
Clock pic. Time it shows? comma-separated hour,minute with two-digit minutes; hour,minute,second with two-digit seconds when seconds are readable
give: 4,23,58
